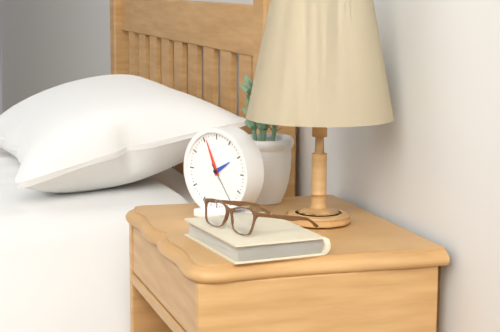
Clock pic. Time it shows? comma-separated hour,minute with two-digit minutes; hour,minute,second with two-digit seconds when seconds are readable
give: 1,56
